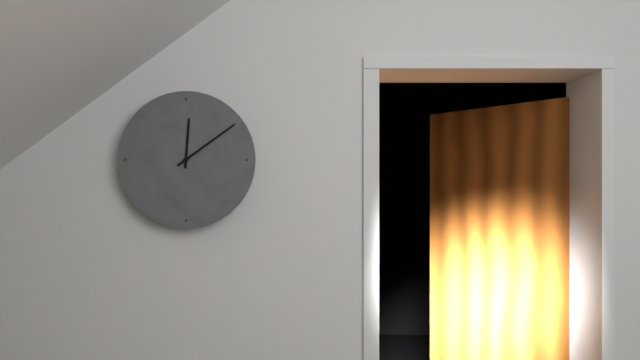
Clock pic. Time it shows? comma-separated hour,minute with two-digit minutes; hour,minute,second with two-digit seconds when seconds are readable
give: 12,09
